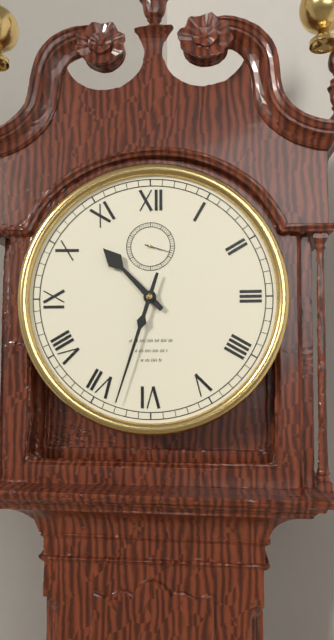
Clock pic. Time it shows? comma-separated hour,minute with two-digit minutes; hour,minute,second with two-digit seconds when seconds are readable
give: 10,33
